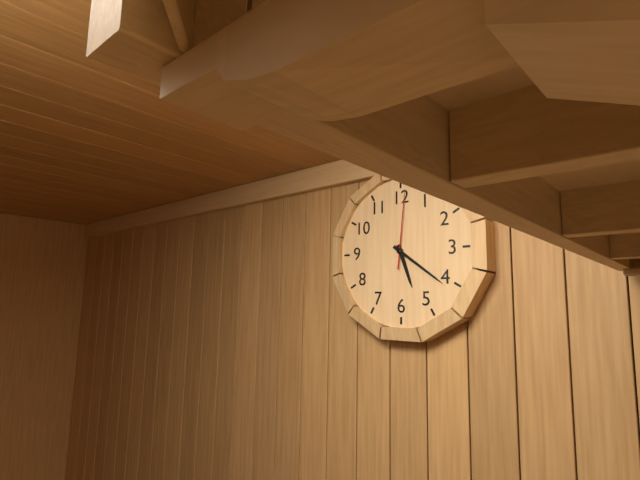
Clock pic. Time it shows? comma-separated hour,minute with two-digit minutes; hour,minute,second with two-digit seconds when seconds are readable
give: 5,21,01
